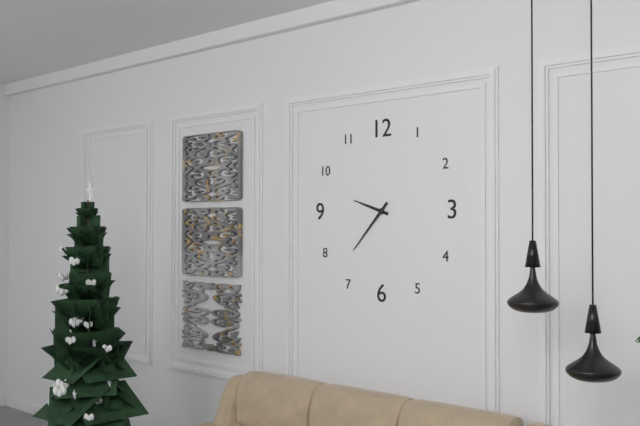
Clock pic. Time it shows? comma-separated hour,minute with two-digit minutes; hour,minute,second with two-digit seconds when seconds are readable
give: 9,37
